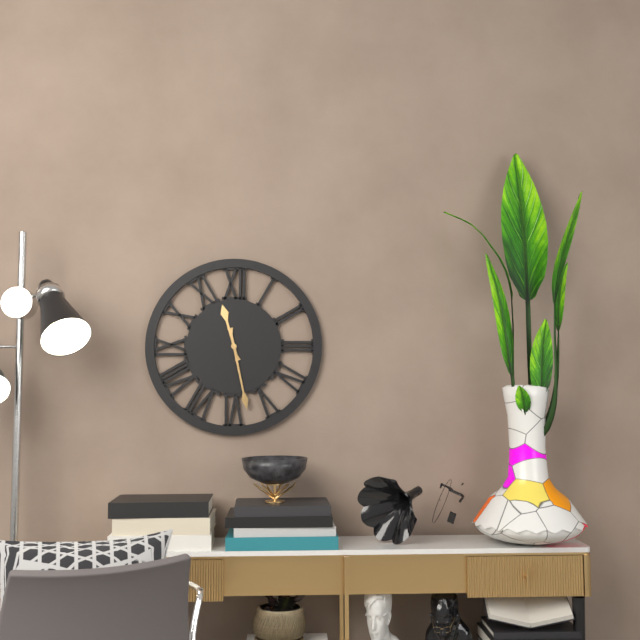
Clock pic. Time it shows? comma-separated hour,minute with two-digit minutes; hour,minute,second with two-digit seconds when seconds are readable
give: 11,28
